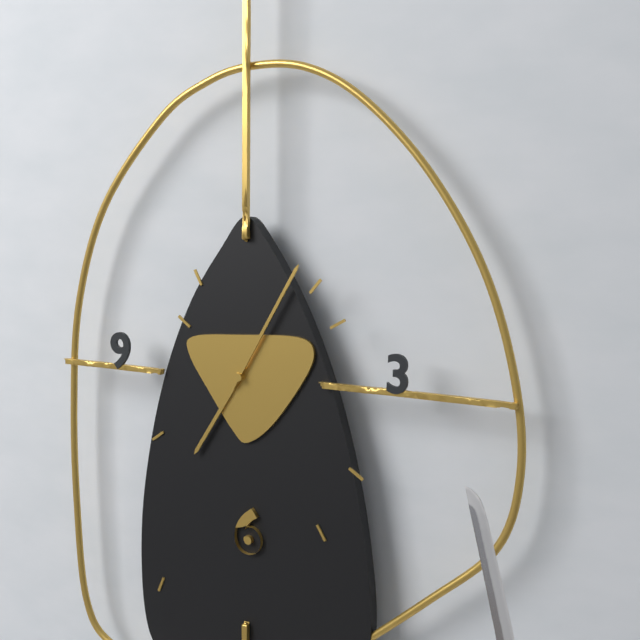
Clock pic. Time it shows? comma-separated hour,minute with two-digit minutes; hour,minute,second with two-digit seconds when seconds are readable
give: 7,05
